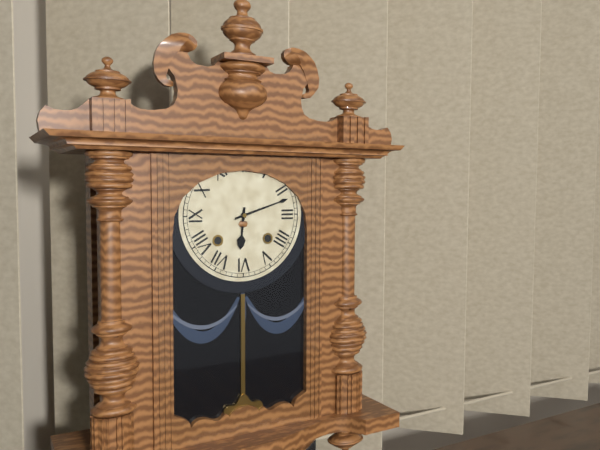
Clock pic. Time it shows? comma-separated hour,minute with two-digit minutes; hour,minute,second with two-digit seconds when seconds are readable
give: 6,12
